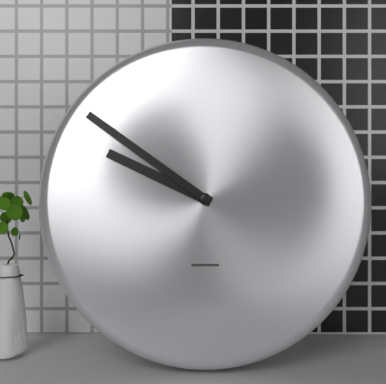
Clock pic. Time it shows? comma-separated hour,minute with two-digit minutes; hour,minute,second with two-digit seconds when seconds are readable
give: 9,51
